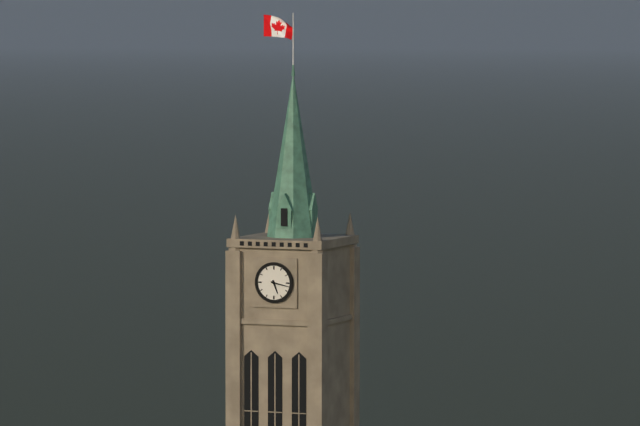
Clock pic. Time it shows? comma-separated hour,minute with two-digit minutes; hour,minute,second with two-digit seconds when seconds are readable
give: 5,17
